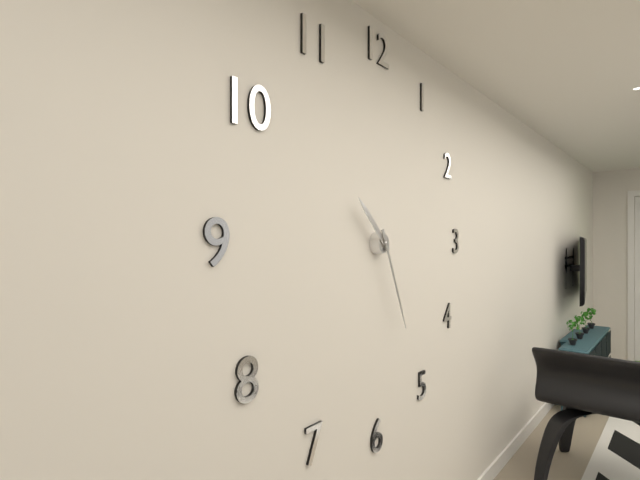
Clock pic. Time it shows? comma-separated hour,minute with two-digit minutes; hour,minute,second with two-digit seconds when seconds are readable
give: 10,26
